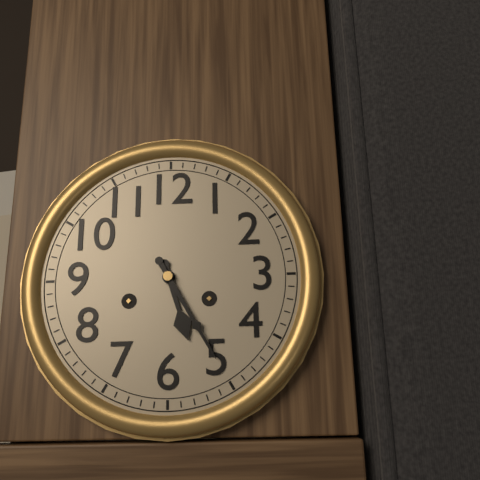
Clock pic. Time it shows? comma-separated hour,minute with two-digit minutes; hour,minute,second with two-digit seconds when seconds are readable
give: 5,25
